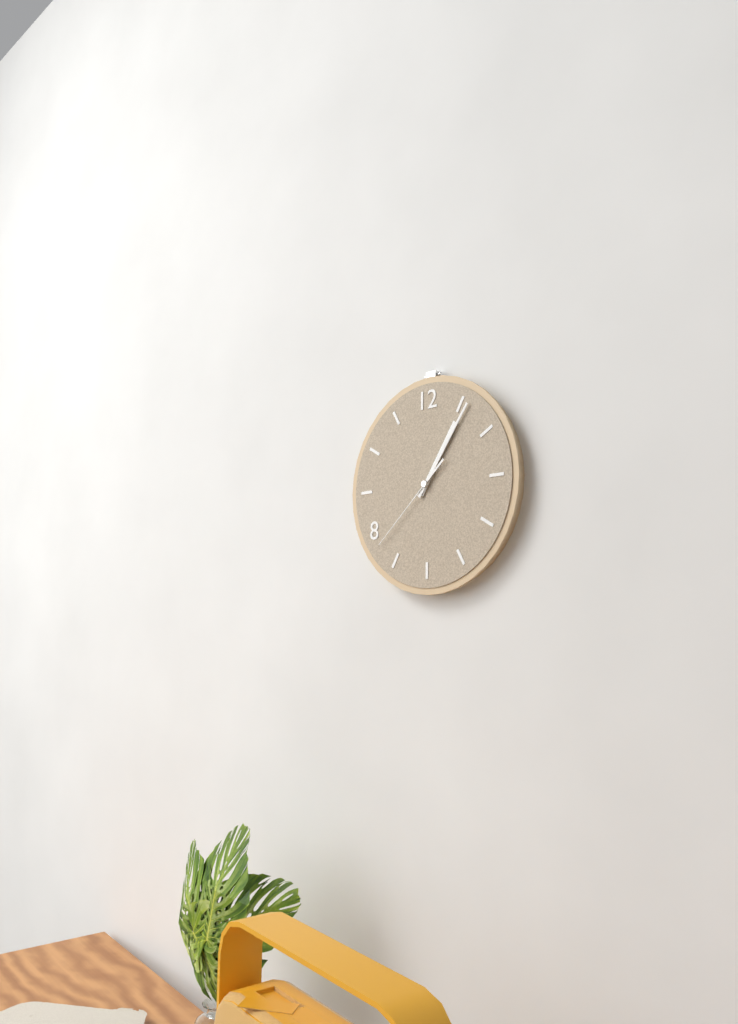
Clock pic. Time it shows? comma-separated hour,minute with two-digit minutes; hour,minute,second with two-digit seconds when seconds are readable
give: 1,06,38
